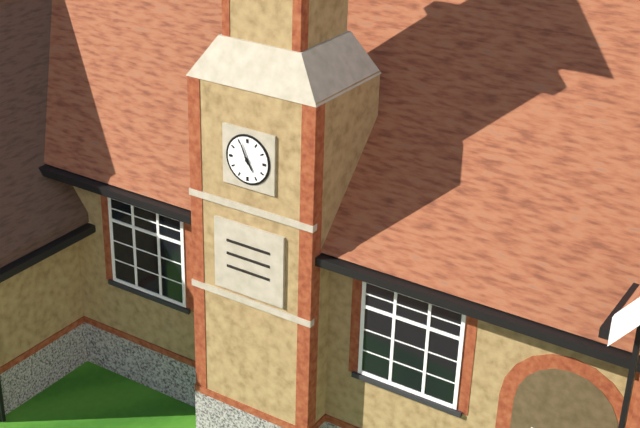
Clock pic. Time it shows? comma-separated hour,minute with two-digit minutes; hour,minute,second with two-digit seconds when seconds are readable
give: 4,56
